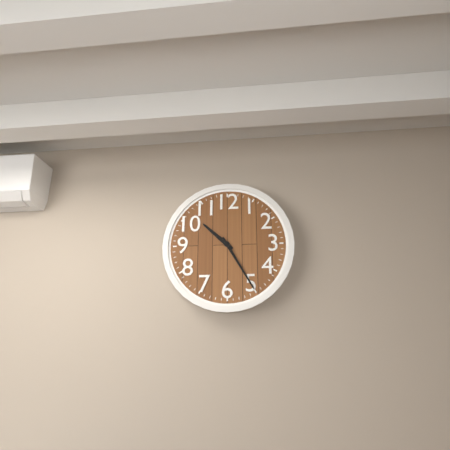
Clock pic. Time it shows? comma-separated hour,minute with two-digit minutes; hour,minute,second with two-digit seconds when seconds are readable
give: 10,25
